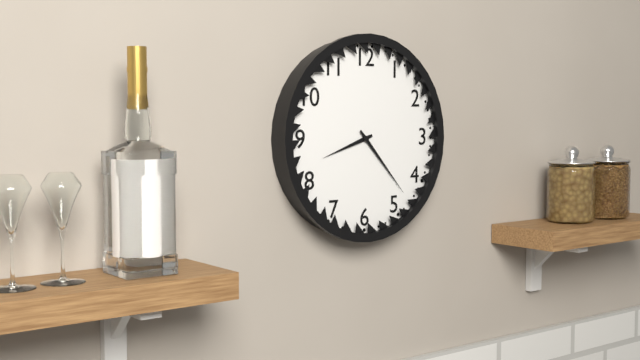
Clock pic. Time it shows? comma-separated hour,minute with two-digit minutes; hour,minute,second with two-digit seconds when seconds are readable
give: 8,23
